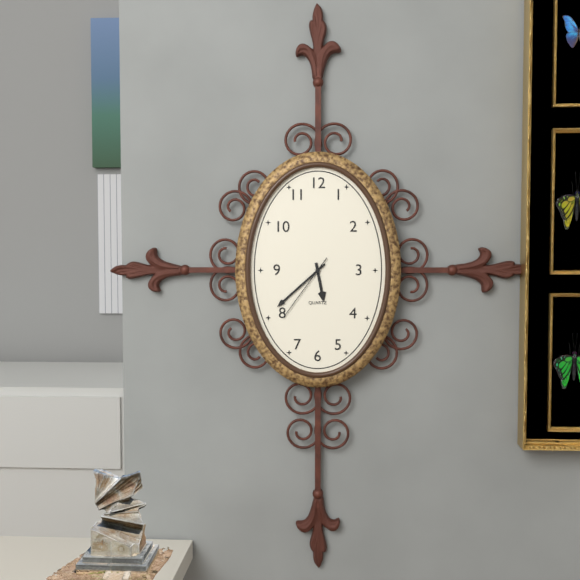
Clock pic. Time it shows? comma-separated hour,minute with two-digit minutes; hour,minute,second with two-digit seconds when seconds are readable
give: 5,38,36
